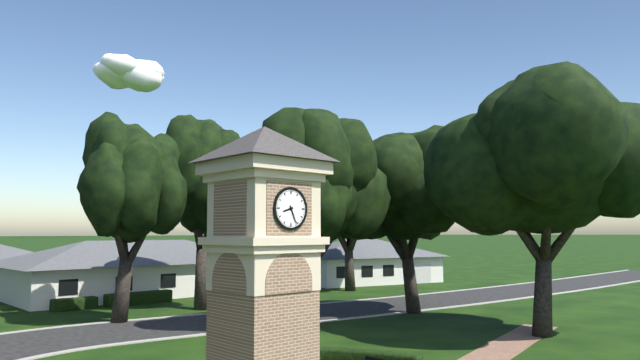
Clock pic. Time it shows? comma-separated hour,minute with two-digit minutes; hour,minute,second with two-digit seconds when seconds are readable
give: 8,26
